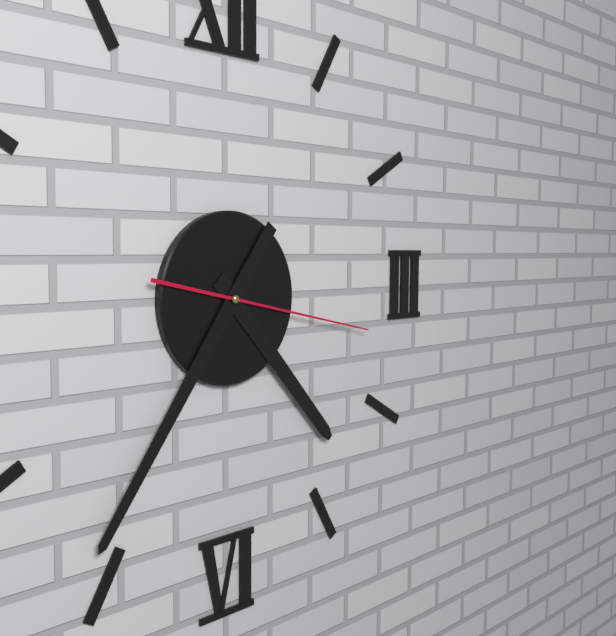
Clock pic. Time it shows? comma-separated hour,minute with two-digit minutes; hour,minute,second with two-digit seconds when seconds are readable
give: 4,36,17
